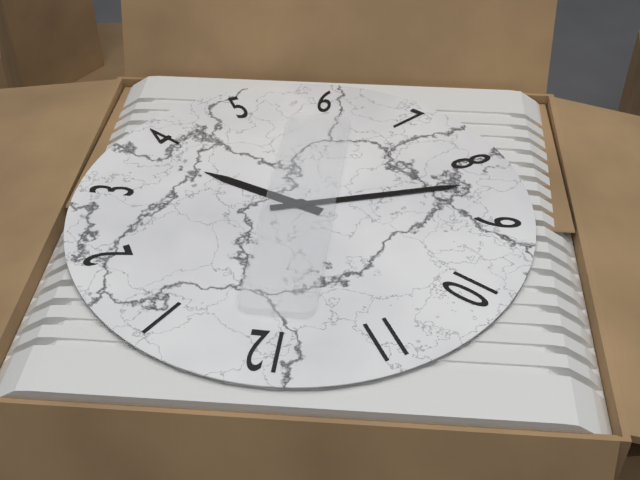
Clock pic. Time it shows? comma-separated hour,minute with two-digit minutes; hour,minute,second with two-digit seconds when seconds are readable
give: 3,42
